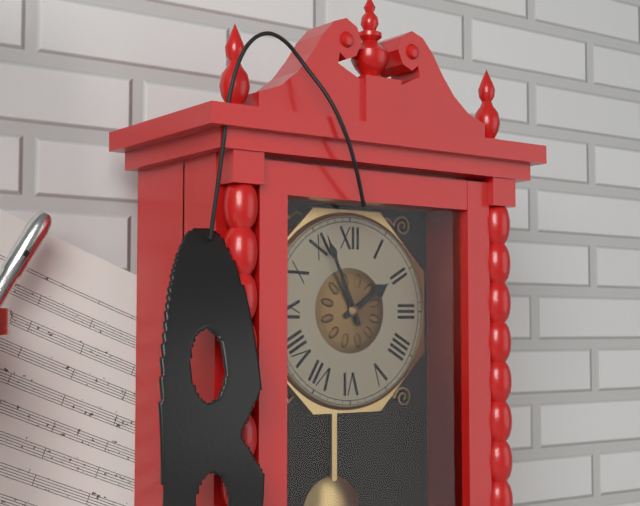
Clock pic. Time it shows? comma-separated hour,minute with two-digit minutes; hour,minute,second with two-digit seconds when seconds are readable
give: 1,56
